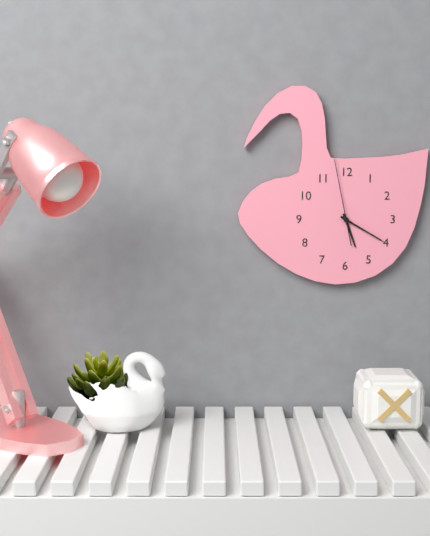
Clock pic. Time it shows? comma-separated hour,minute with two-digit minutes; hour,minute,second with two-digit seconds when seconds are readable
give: 5,20,58
